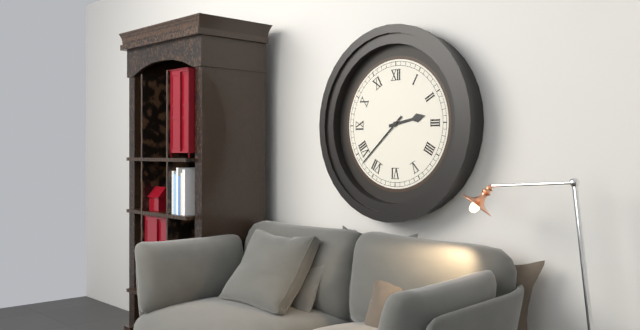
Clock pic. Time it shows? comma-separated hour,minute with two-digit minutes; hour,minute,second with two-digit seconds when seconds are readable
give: 2,38
